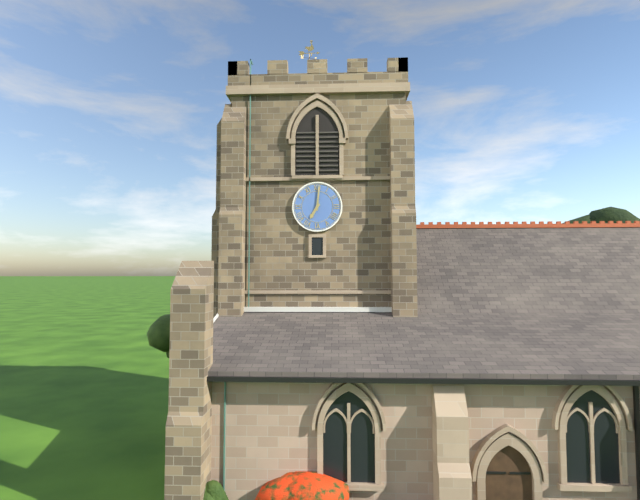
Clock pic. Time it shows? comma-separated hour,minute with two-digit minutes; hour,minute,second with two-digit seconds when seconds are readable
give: 7,01
